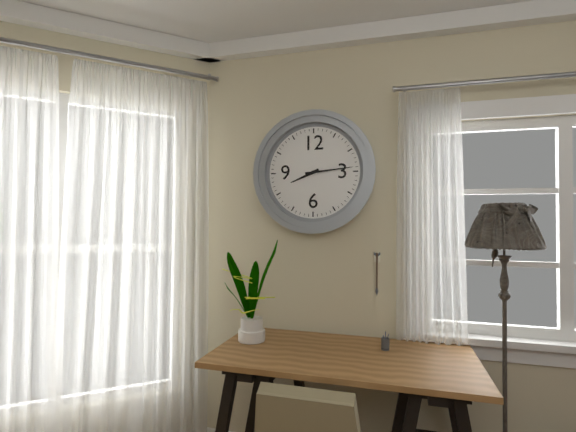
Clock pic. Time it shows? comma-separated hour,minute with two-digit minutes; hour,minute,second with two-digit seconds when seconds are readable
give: 8,14
